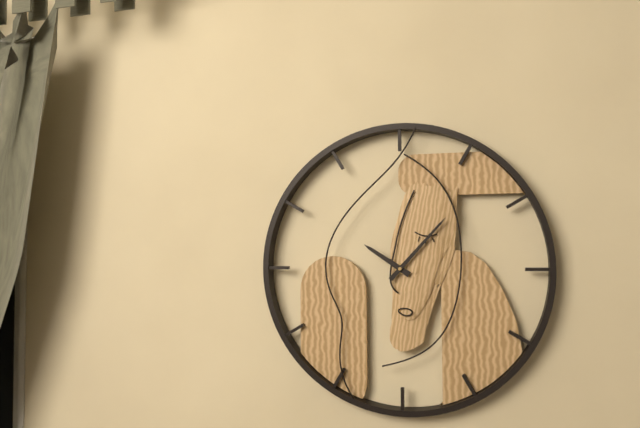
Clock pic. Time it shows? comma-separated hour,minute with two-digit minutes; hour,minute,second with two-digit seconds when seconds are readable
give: 10,07
